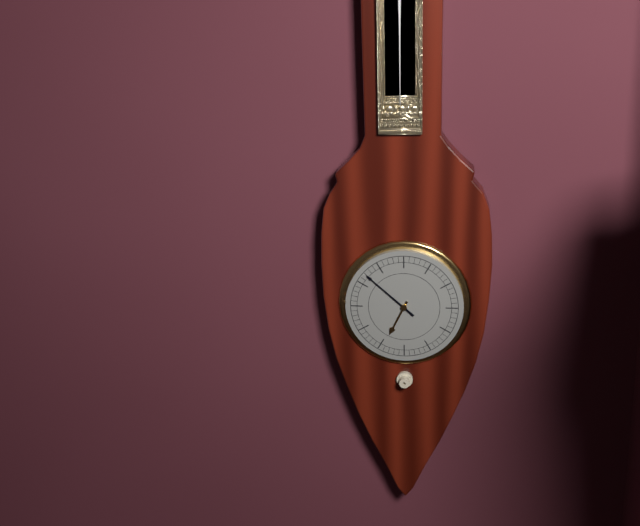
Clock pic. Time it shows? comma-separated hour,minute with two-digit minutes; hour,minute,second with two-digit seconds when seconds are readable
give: 6,52
